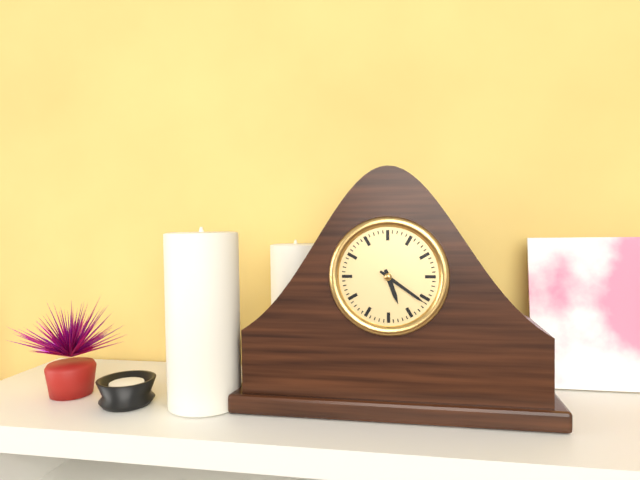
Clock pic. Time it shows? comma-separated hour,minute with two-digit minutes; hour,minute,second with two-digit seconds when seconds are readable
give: 5,21
